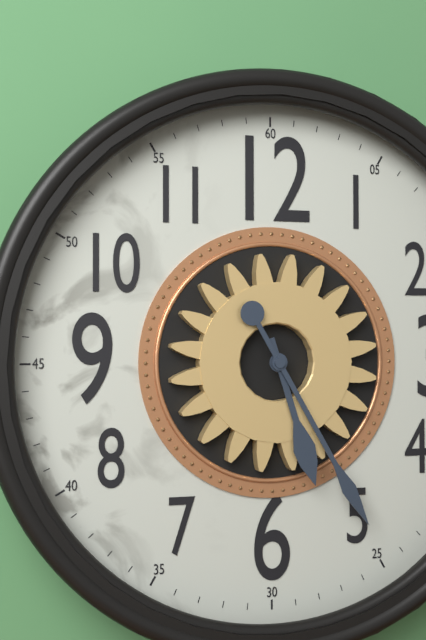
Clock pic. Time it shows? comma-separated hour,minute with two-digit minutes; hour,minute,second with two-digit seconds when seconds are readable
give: 5,25
